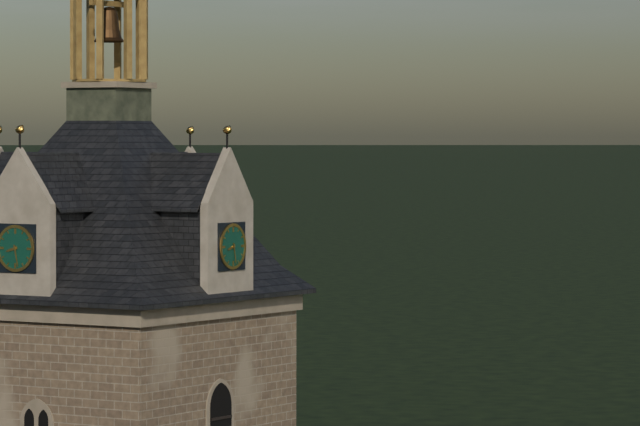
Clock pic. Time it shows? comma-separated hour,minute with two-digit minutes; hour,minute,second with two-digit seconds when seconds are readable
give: 8,28
